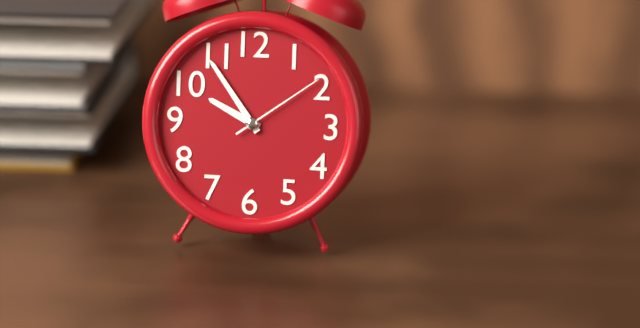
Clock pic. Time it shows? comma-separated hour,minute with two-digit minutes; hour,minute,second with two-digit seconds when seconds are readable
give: 9,54,09
